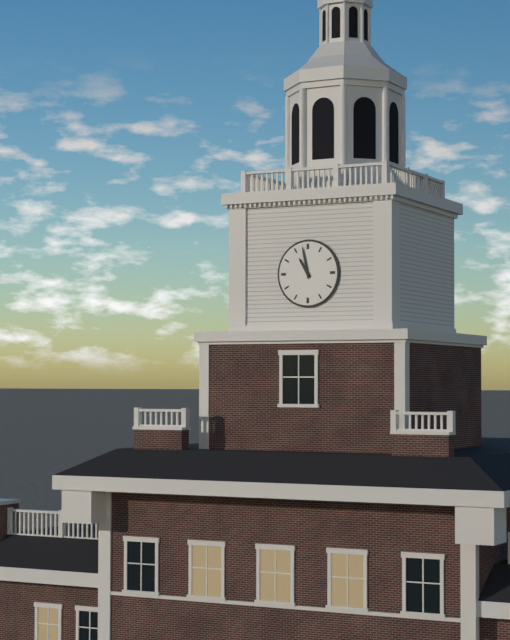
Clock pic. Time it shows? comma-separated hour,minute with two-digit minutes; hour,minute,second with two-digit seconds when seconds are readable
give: 10,58
